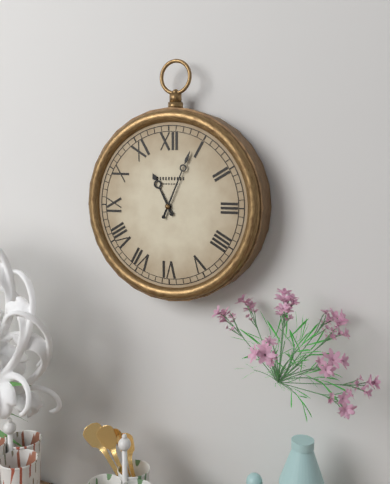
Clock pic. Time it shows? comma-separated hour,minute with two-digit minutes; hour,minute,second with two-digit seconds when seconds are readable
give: 11,04
